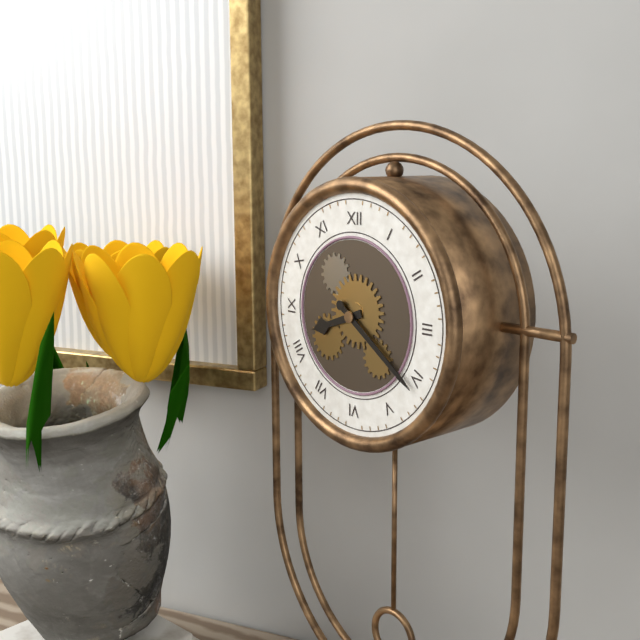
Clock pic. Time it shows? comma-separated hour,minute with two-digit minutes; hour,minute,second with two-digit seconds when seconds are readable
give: 8,21
